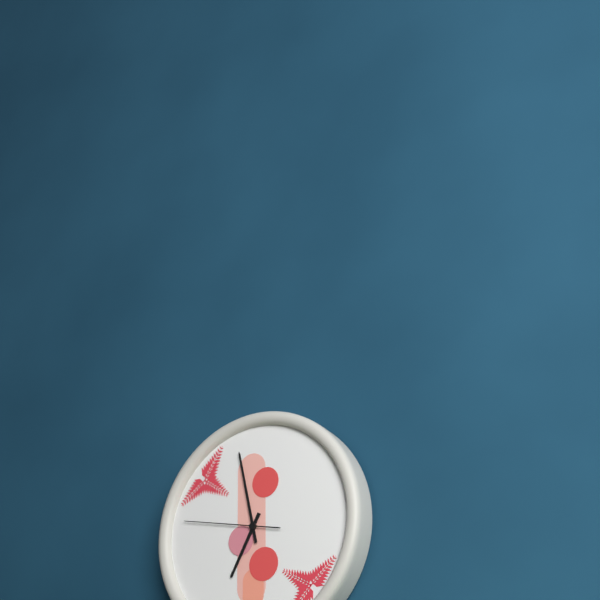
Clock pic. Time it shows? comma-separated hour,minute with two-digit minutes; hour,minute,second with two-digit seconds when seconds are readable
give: 6,58,47
